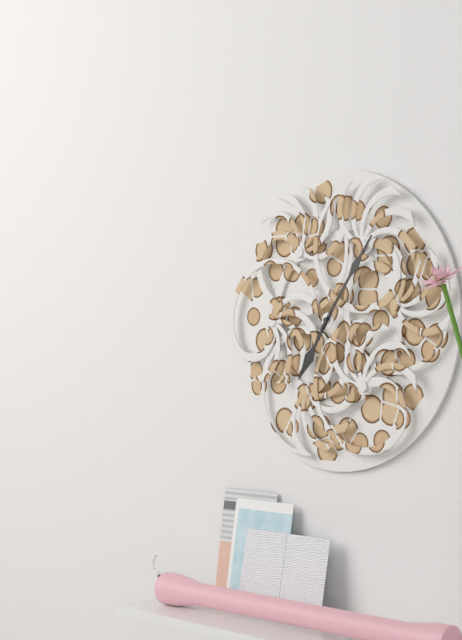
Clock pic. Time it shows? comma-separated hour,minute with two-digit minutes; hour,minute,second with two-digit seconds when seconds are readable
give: 7,06
